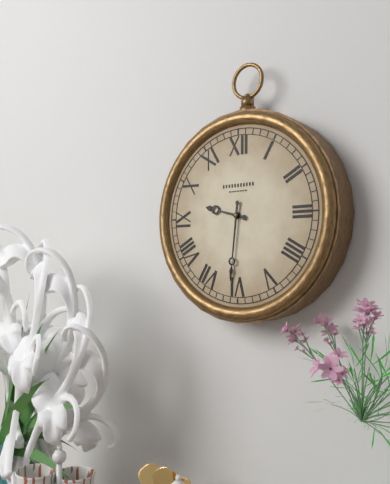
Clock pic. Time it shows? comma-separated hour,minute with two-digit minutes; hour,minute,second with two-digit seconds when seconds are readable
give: 9,31
